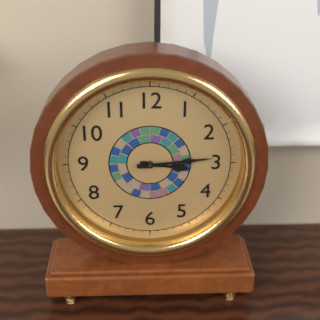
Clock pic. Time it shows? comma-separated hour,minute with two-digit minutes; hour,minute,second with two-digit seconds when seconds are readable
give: 3,14
